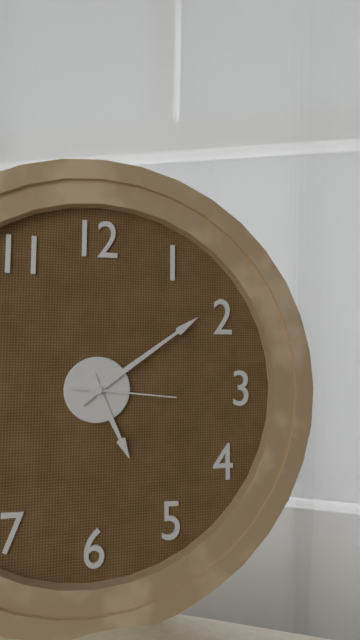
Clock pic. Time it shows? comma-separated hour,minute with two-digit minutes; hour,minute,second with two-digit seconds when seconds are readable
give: 5,09,16
